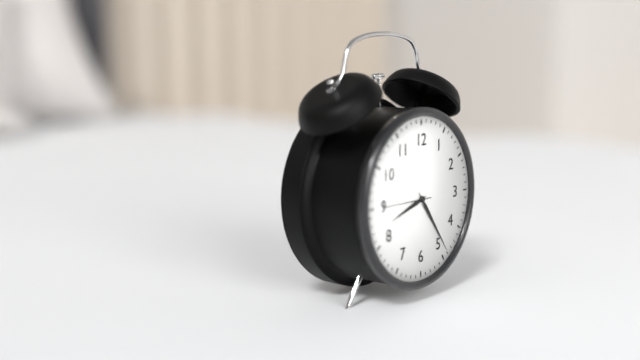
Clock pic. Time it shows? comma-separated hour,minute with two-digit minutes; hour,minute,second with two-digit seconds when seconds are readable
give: 8,24
